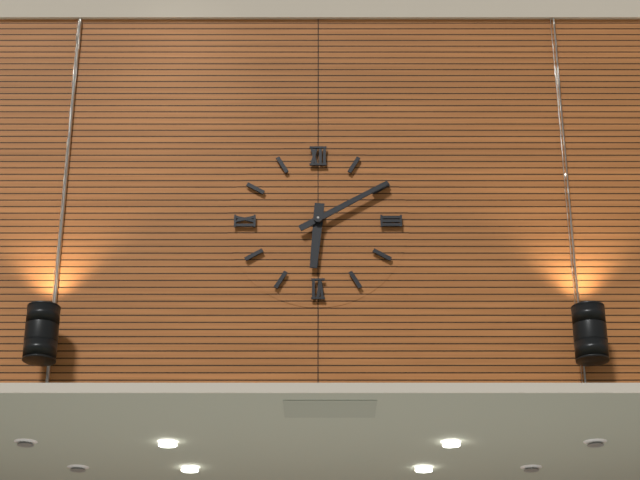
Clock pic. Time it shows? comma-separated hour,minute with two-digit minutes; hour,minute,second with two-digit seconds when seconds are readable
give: 6,10
